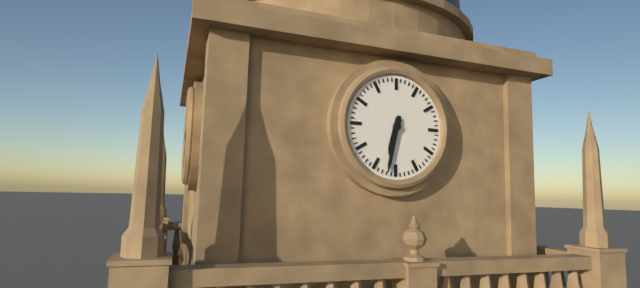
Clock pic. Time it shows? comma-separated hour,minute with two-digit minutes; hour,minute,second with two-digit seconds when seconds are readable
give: 6,32
